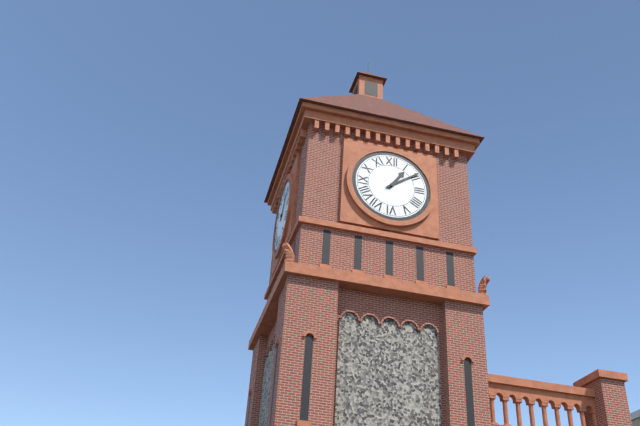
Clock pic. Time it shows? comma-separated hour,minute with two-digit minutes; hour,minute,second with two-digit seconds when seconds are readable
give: 1,09
